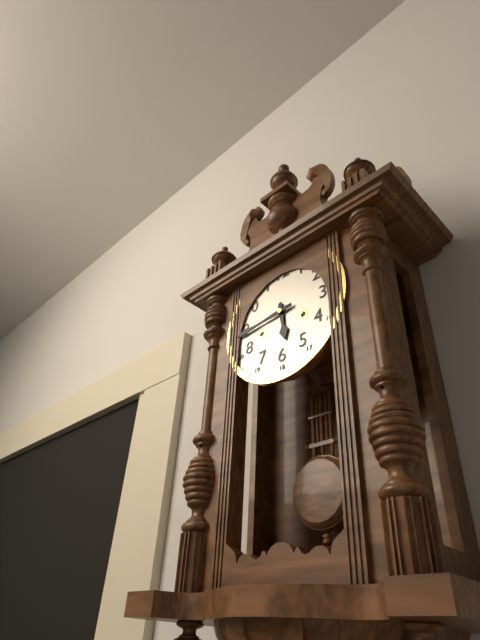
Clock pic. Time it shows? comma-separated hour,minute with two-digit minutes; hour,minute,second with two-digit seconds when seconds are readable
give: 5,44
